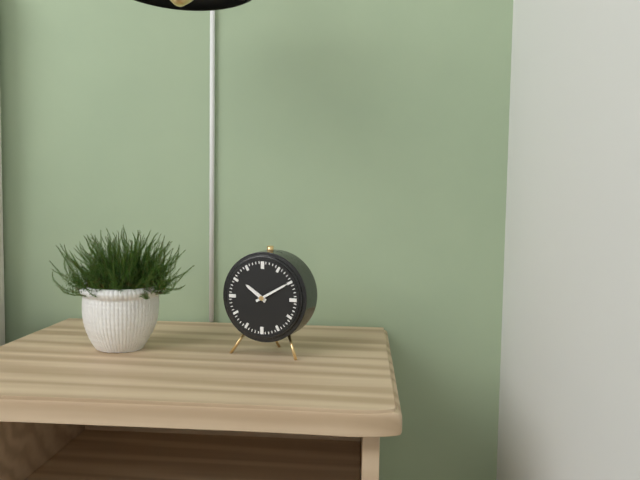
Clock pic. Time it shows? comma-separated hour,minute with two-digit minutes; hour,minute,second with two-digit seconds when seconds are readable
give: 10,10
